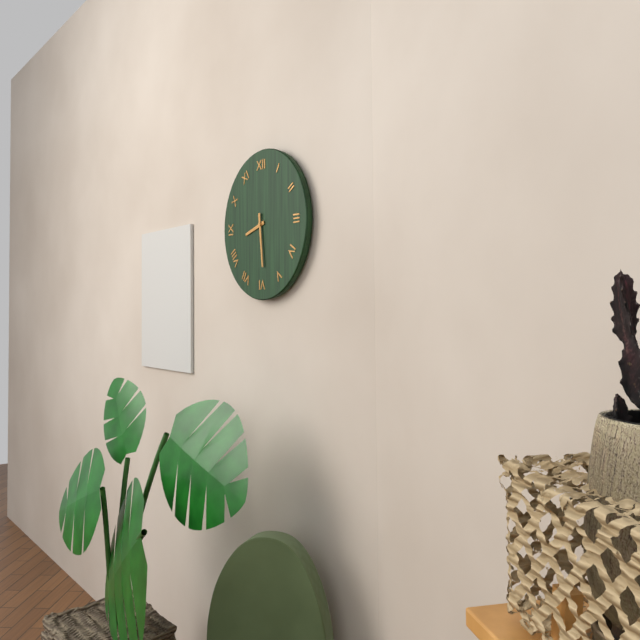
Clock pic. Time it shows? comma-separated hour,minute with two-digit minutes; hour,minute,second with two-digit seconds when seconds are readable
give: 8,29
